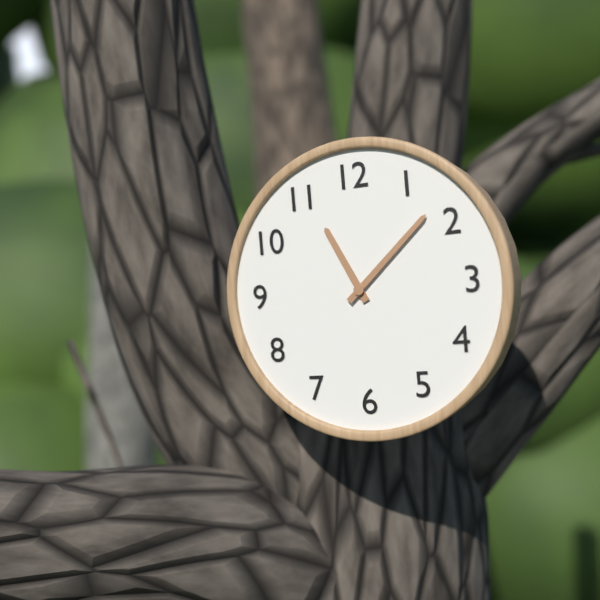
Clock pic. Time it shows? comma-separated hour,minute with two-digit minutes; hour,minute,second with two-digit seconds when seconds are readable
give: 11,08
